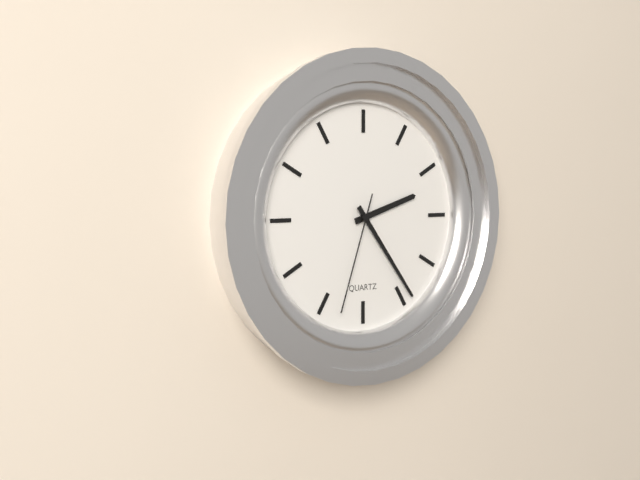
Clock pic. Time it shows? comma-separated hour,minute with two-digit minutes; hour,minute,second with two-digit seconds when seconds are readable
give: 2,24,33
